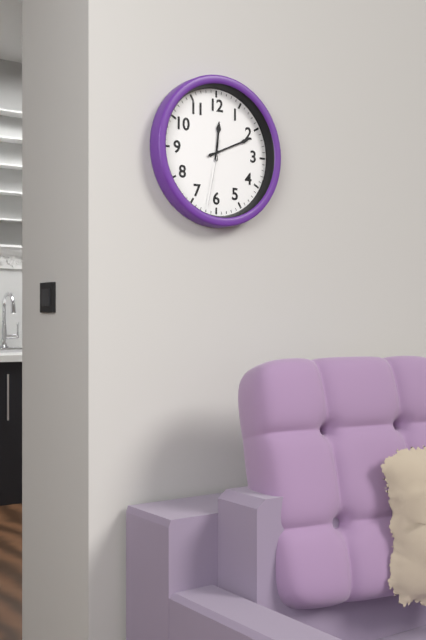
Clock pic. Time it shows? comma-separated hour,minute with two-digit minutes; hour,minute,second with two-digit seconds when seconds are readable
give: 12,11,32
